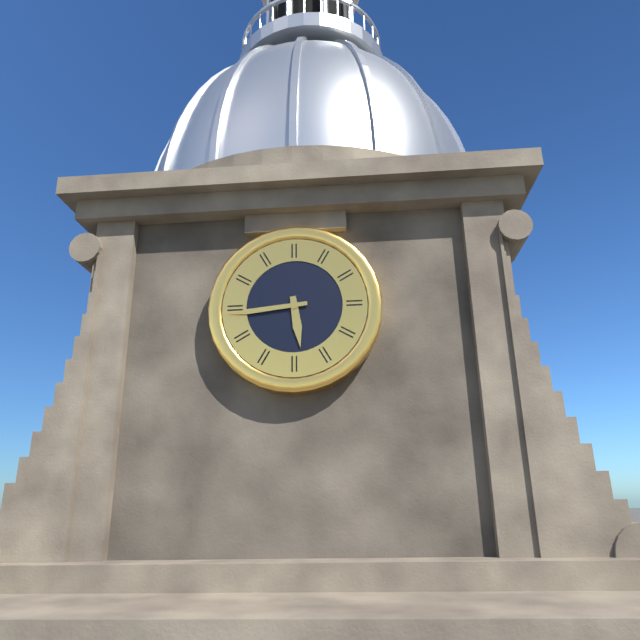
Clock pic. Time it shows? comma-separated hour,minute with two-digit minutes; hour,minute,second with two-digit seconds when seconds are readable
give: 5,44
